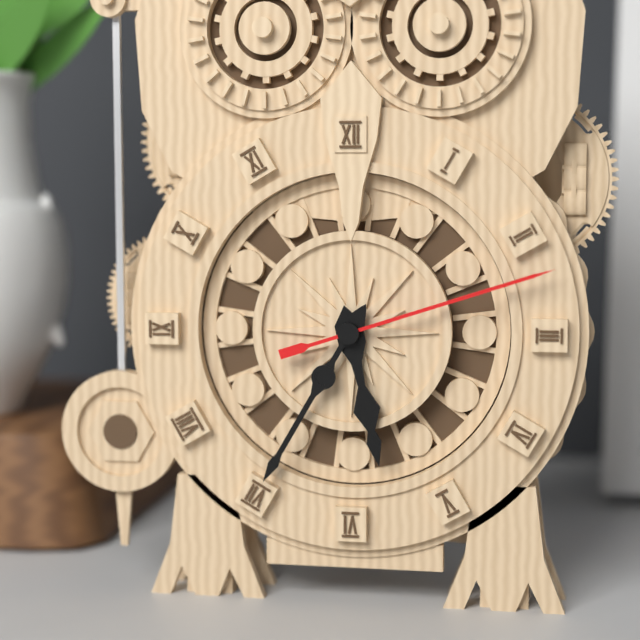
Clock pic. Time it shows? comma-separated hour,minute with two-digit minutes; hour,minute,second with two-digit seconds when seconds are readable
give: 5,35,12
